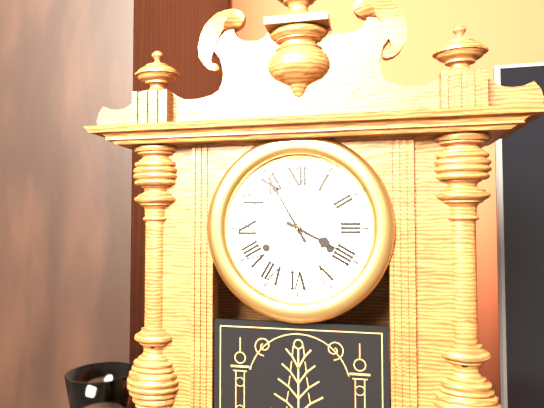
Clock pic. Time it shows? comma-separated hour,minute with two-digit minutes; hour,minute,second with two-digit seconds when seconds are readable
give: 3,55
